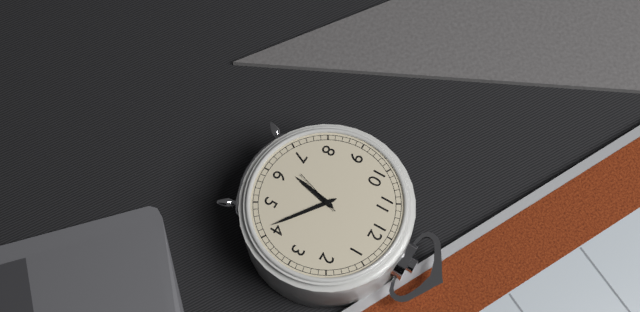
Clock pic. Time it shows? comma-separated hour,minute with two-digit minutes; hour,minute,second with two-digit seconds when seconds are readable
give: 6,21
